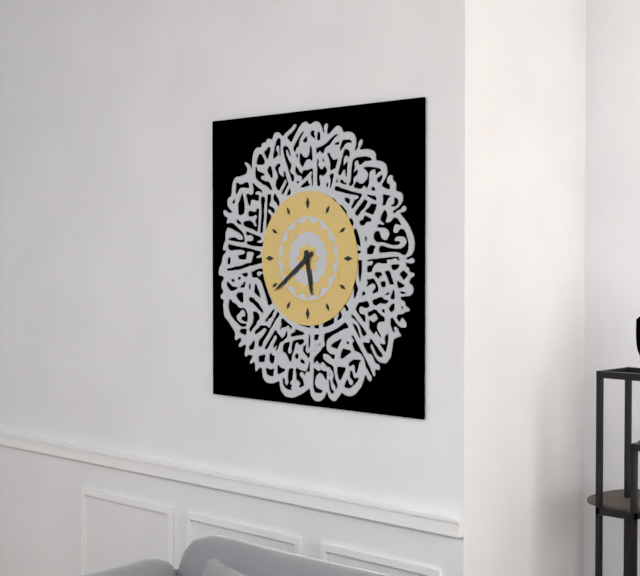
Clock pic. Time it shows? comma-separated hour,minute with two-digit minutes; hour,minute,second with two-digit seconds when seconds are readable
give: 5,39
